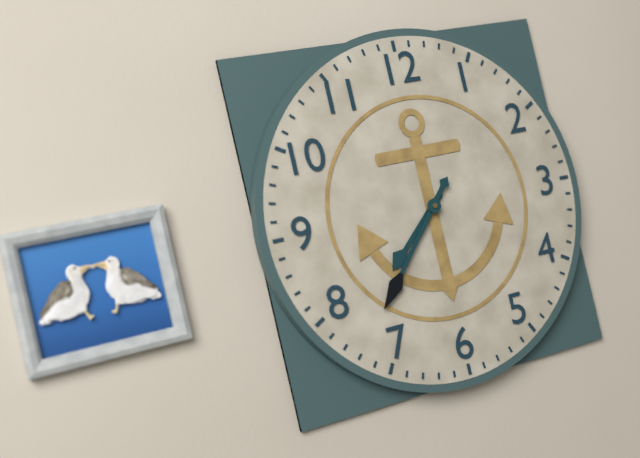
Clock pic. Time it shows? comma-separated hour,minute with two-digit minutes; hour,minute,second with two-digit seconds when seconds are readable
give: 7,37
